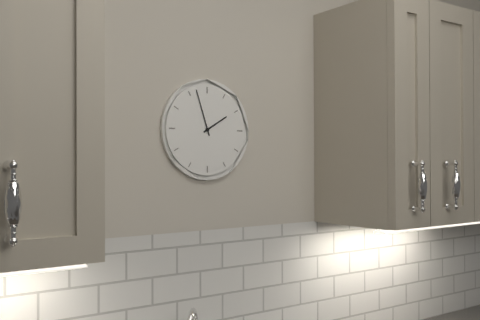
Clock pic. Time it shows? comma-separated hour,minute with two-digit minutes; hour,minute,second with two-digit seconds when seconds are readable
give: 1,57
